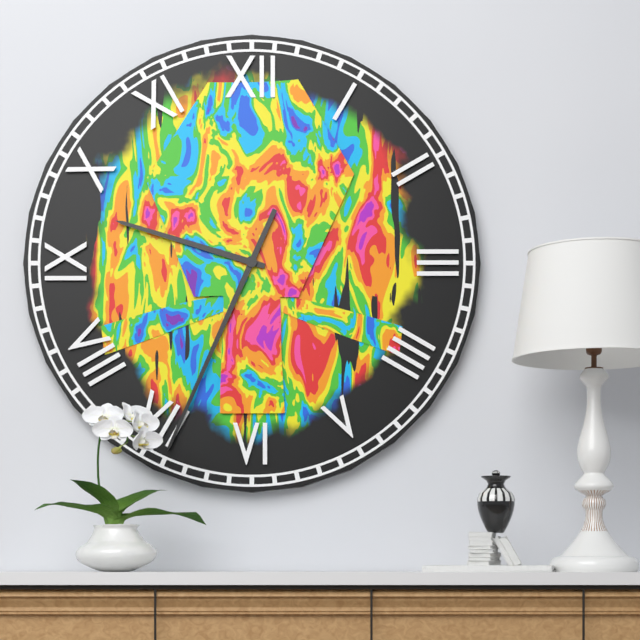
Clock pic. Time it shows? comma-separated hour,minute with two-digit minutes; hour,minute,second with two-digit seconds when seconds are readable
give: 9,34
